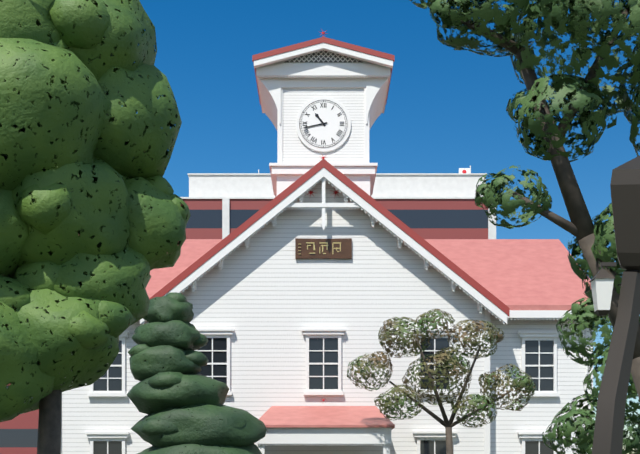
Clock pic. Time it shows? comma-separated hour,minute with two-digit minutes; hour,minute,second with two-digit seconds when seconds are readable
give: 10,43
